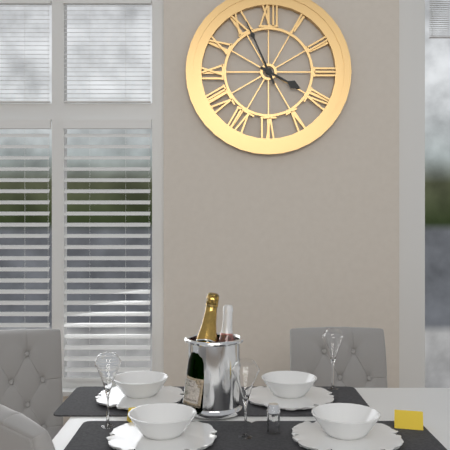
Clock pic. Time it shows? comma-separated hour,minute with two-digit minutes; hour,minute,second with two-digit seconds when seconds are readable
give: 3,56
